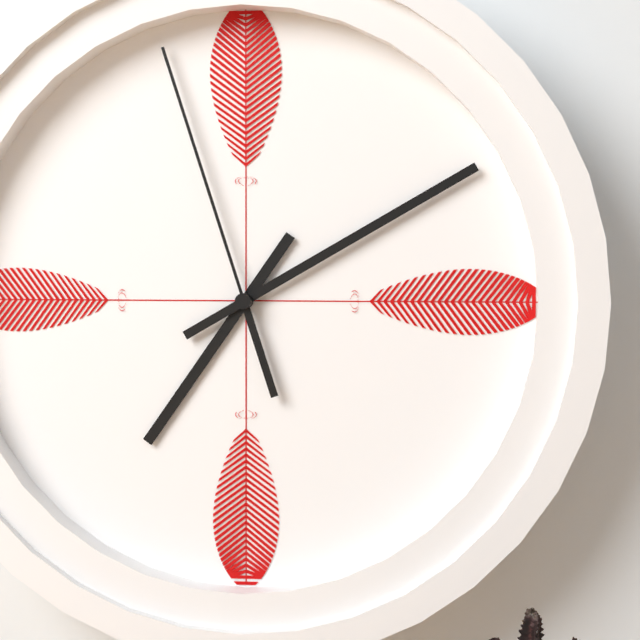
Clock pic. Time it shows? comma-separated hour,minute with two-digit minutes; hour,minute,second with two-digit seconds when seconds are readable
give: 7,10,57
